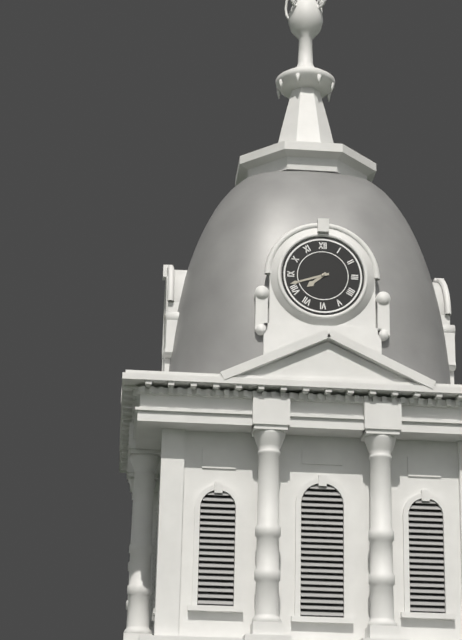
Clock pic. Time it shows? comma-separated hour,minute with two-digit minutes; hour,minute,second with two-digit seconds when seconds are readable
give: 7,42
